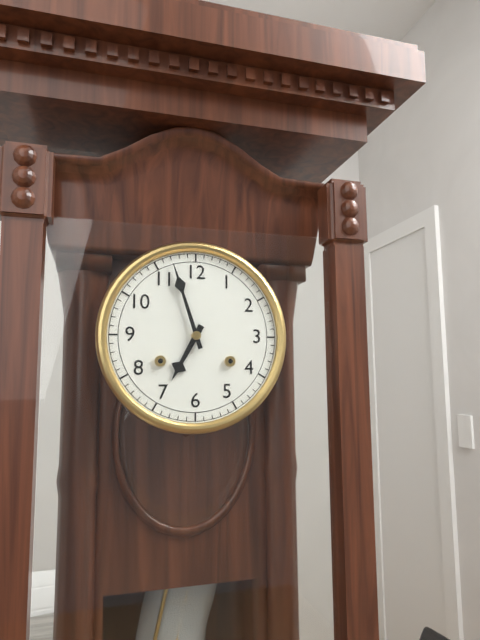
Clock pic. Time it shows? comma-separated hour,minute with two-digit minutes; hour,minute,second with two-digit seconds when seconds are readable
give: 6,57
